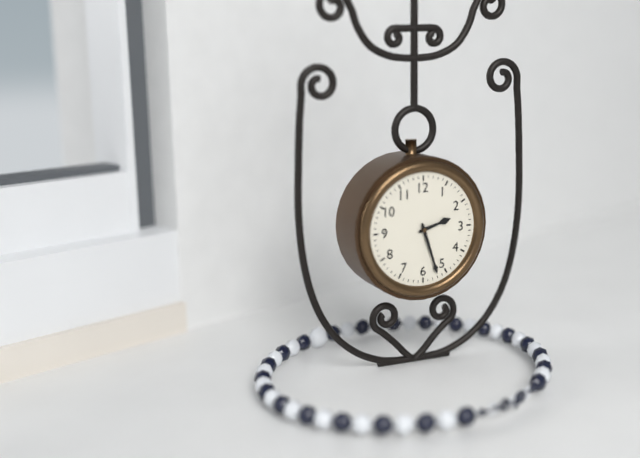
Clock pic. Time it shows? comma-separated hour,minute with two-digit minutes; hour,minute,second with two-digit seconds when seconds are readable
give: 2,27
